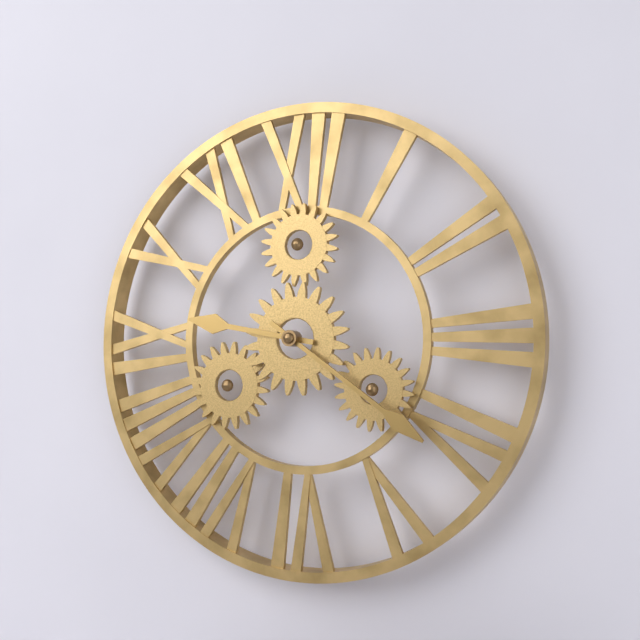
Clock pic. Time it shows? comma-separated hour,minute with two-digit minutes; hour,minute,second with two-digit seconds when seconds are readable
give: 9,21
